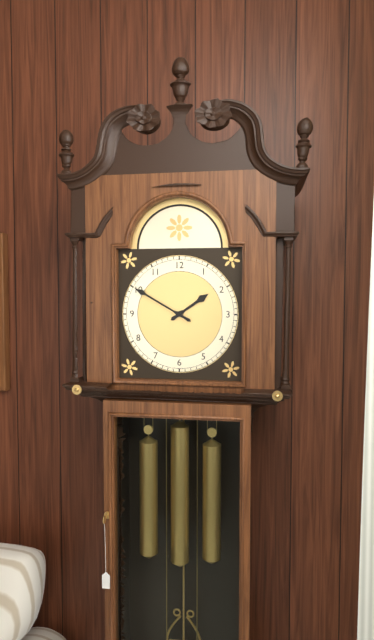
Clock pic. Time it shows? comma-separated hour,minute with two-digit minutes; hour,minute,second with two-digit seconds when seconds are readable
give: 1,50
